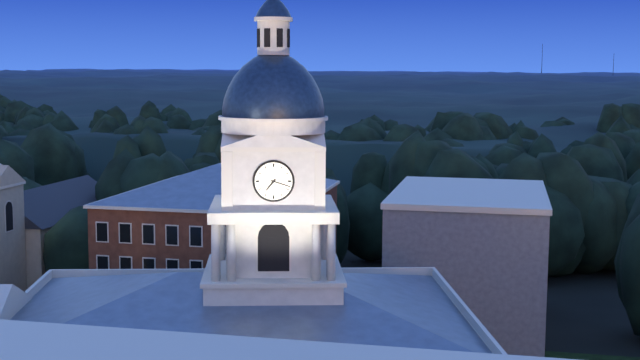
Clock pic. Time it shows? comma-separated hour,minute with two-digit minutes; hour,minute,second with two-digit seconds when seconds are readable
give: 7,18
